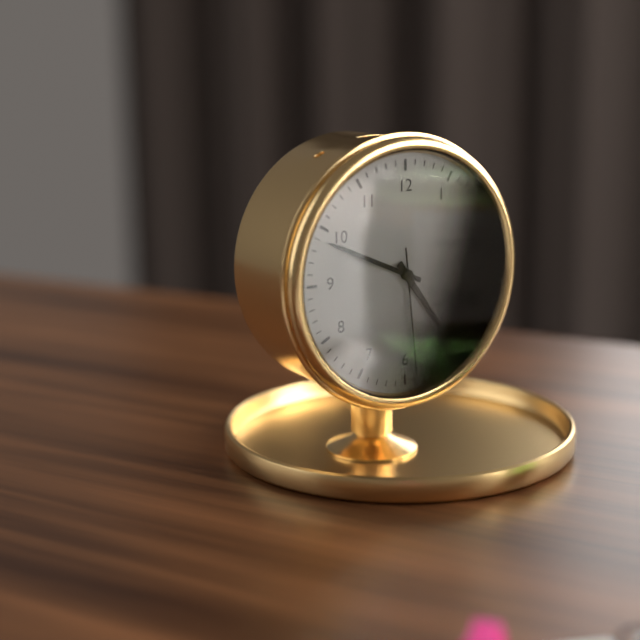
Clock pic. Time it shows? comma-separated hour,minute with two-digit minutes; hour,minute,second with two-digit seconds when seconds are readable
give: 4,49,29
